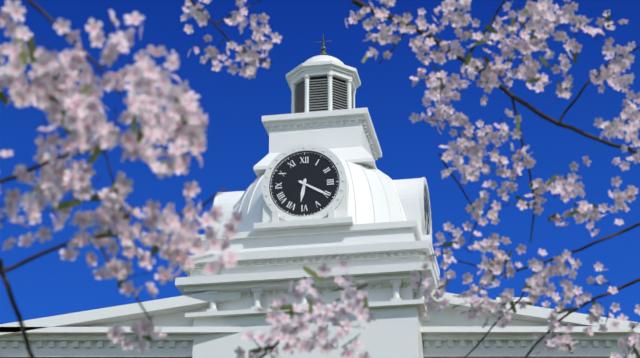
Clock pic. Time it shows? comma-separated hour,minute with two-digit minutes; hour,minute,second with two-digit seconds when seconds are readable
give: 6,20
